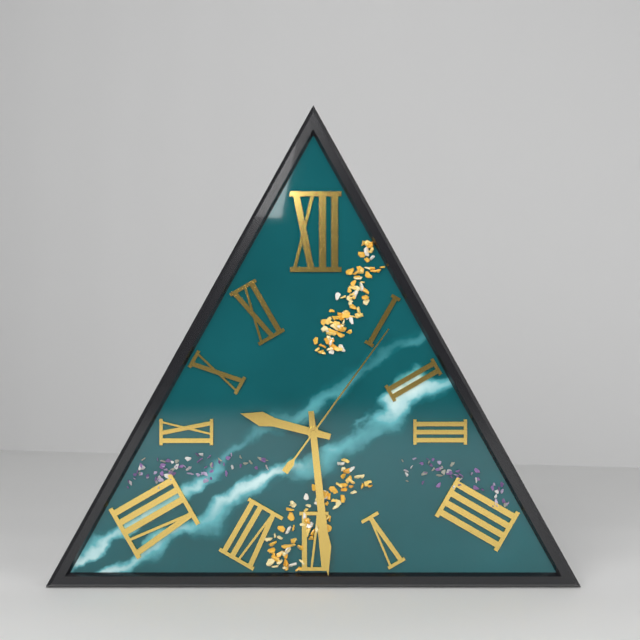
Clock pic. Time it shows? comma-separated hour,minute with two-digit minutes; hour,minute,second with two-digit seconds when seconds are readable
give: 9,29,06
